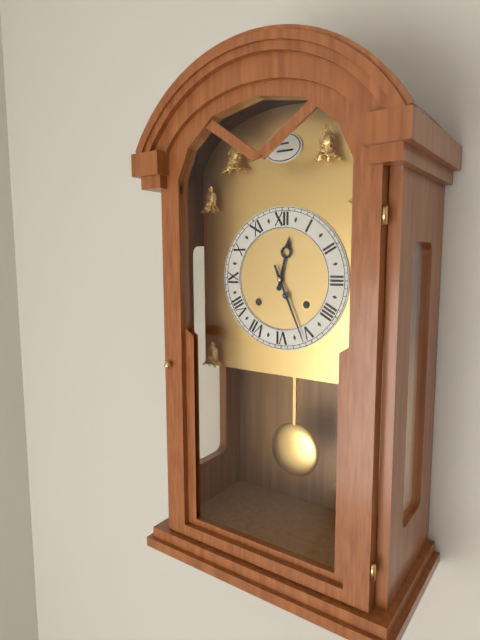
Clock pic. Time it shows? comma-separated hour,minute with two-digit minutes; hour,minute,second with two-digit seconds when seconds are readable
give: 12,26
